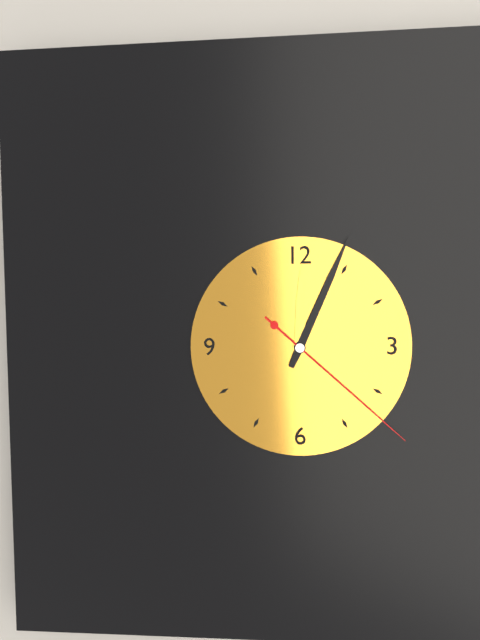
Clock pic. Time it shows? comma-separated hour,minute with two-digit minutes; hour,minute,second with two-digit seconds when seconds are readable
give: 12,04,22
